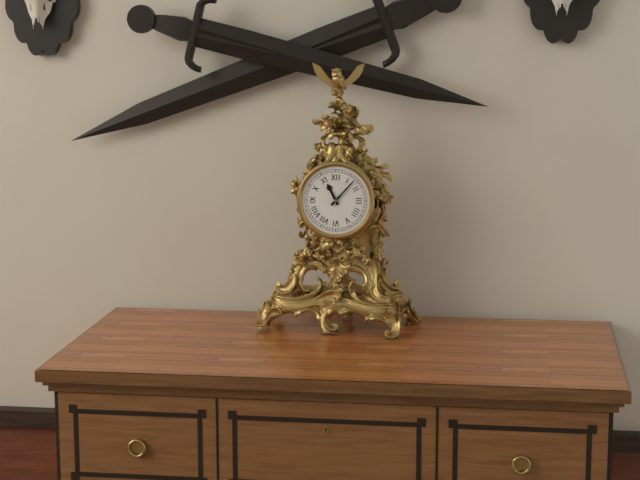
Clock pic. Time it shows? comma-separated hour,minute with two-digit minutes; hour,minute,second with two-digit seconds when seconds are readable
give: 11,07
